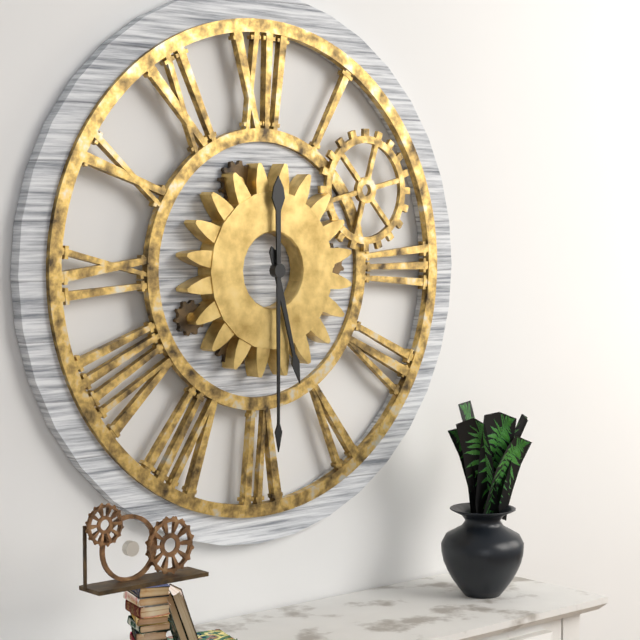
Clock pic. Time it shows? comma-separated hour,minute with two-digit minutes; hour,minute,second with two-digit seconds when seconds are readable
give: 5,30
